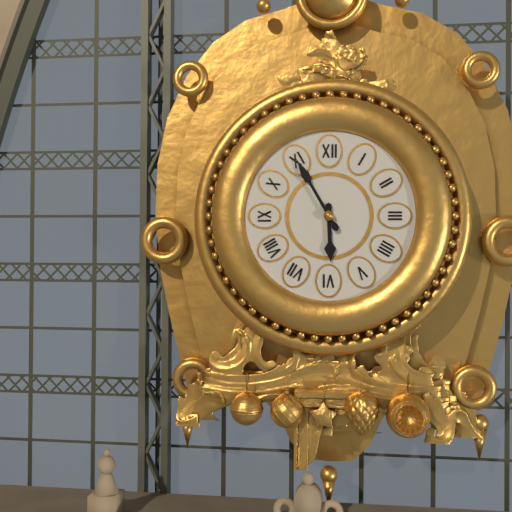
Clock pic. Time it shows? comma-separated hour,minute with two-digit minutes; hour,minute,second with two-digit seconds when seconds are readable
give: 5,55
